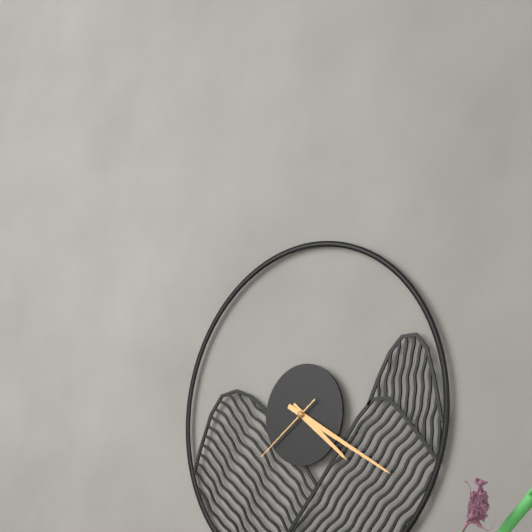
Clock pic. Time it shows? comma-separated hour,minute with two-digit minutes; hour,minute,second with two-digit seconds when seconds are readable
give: 4,20,39
